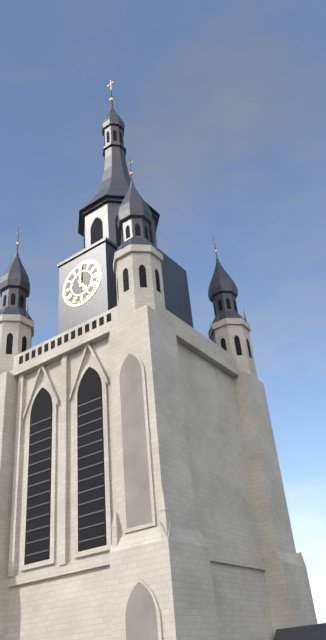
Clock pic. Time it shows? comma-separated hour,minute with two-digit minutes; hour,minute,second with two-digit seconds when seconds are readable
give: 5,00
